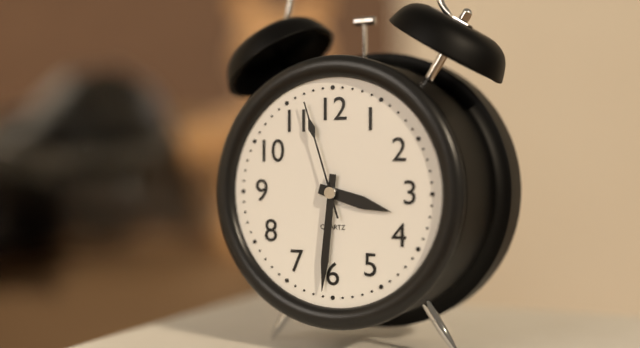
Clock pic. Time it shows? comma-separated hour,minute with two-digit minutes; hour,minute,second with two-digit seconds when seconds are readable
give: 3,31,57
